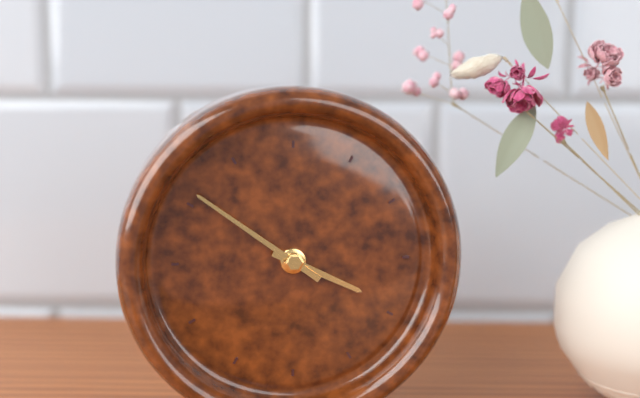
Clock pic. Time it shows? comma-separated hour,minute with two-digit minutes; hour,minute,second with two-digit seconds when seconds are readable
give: 3,51
